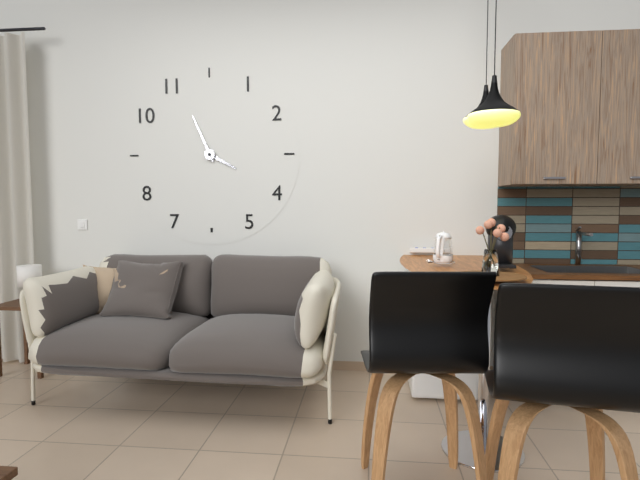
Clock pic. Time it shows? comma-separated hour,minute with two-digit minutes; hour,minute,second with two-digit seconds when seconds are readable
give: 3,56
